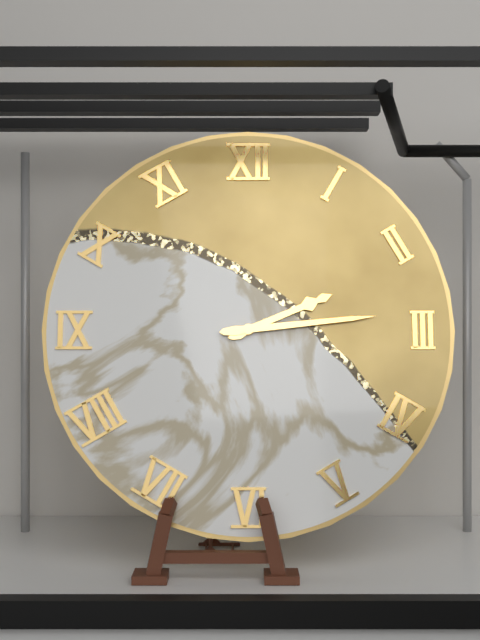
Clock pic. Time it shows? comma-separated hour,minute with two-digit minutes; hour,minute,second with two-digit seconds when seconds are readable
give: 2,14
